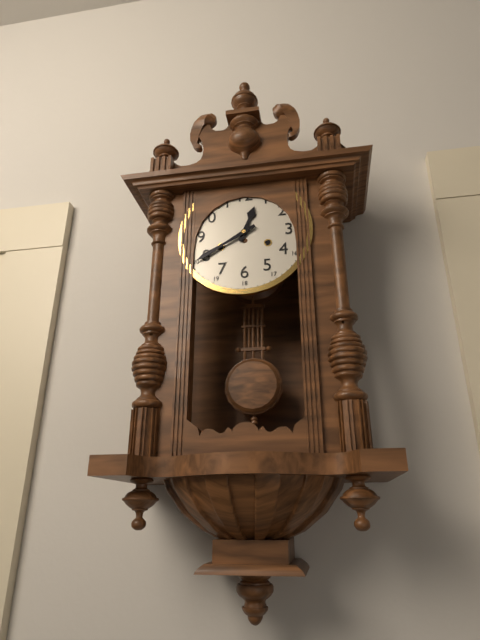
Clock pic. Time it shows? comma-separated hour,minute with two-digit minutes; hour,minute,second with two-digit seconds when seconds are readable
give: 12,40
